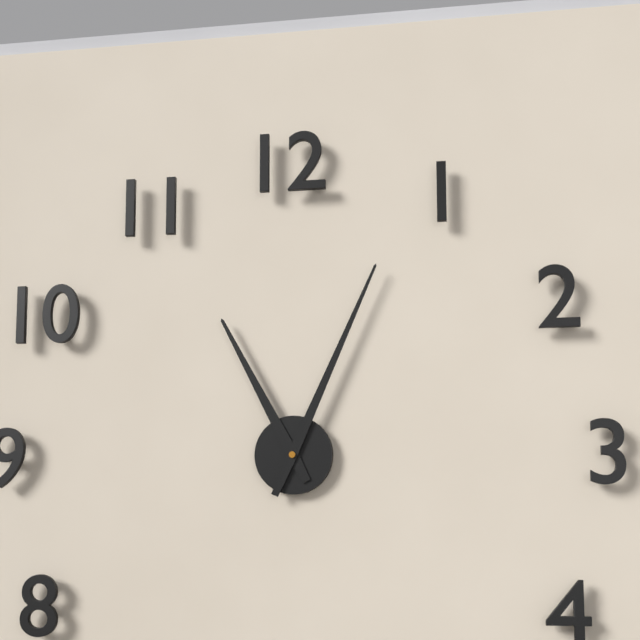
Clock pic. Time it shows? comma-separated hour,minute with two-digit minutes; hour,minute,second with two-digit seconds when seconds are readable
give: 11,04
